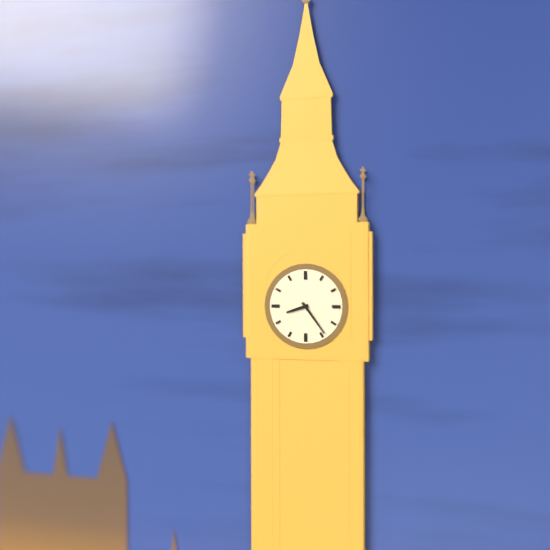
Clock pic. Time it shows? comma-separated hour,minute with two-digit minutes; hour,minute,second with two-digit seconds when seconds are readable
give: 8,24
